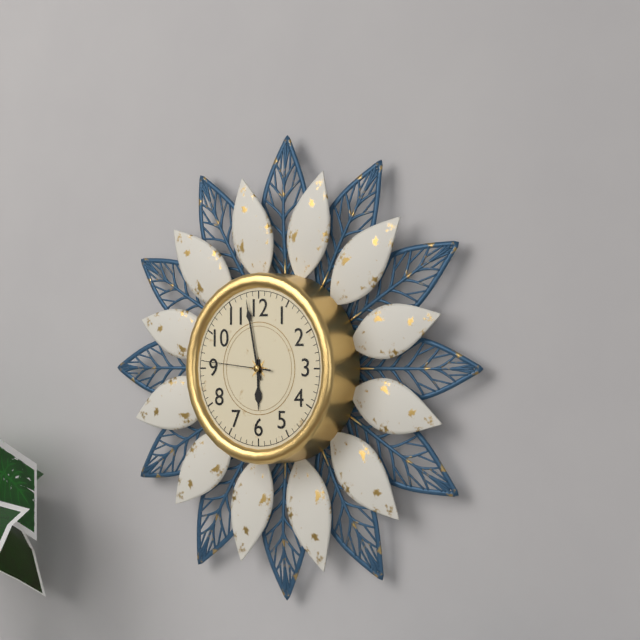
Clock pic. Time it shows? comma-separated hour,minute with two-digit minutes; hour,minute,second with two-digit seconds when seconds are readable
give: 5,58,46
